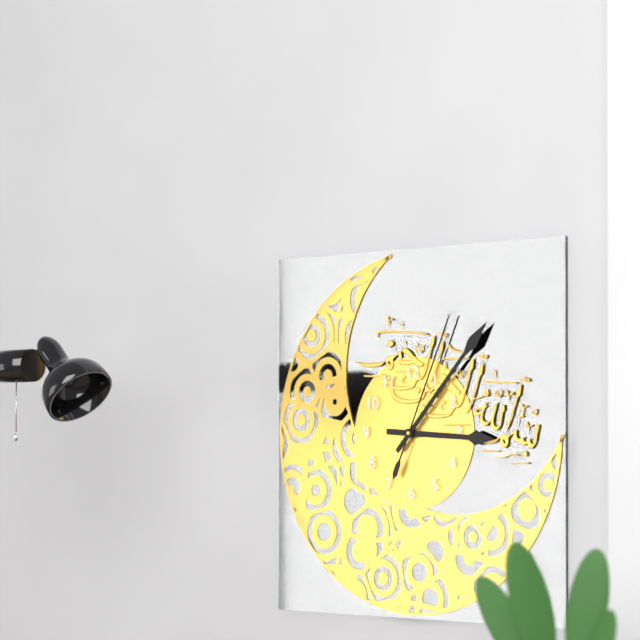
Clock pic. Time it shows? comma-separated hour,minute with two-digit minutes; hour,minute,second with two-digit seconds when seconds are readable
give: 3,07,04
